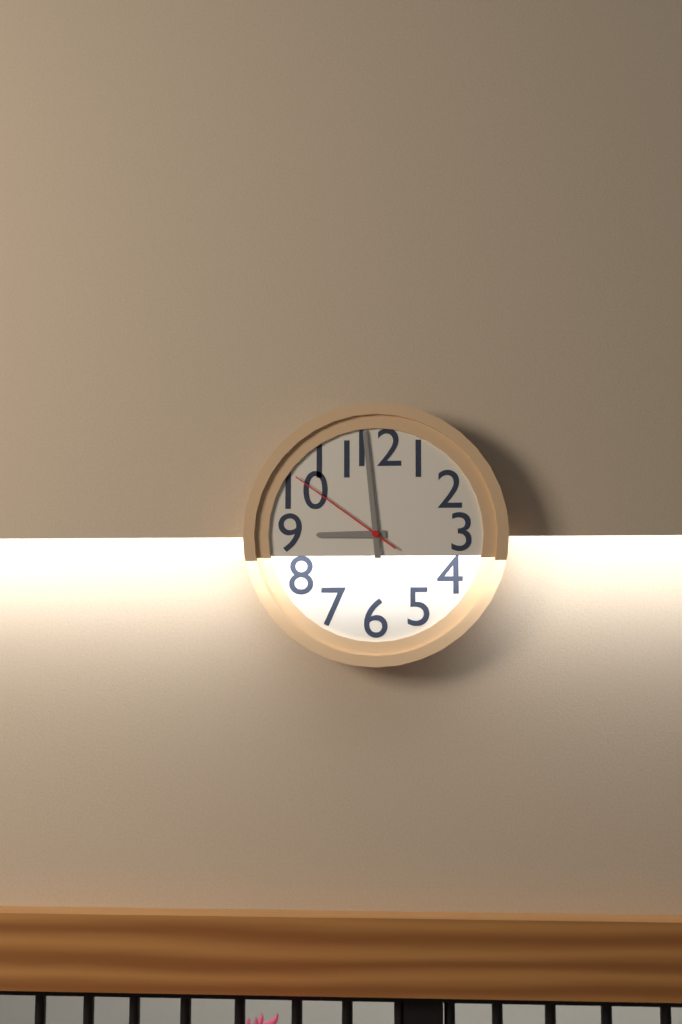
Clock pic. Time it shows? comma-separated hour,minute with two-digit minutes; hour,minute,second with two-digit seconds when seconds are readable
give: 8,59,51
